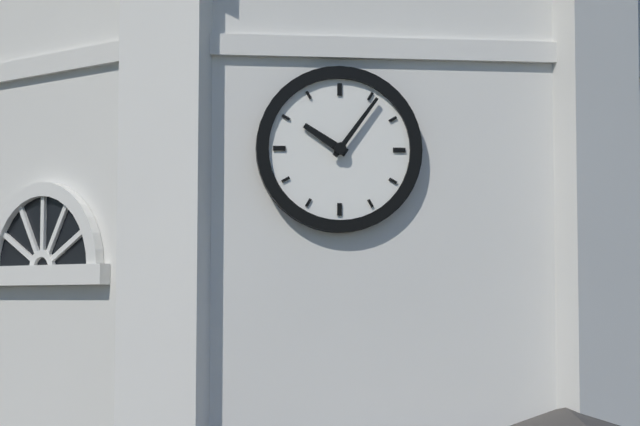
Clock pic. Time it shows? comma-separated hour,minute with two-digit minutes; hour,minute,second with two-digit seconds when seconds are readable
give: 10,06
